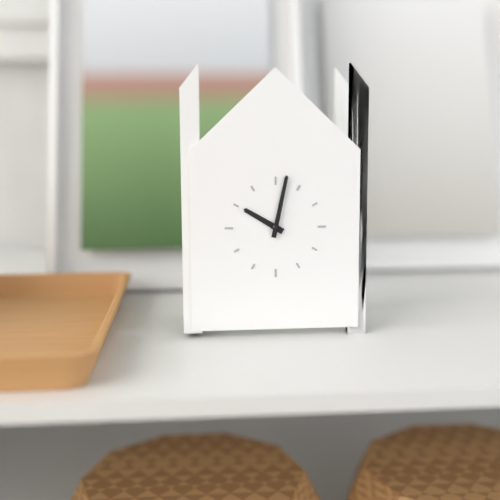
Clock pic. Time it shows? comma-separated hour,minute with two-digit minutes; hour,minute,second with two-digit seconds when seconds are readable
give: 10,02
